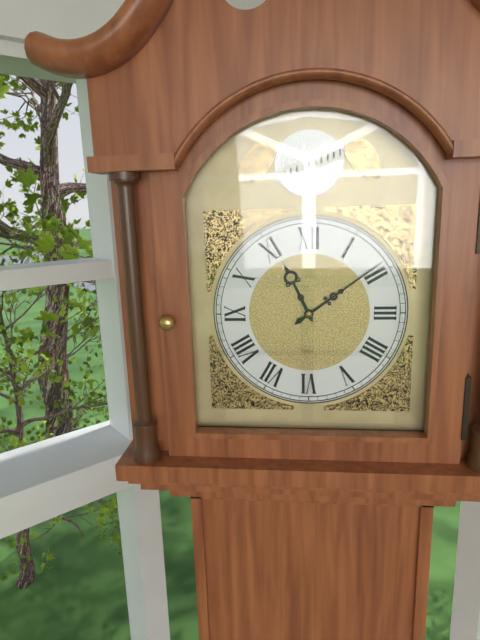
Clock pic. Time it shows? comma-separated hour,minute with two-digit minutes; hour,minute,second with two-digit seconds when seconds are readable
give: 11,09
